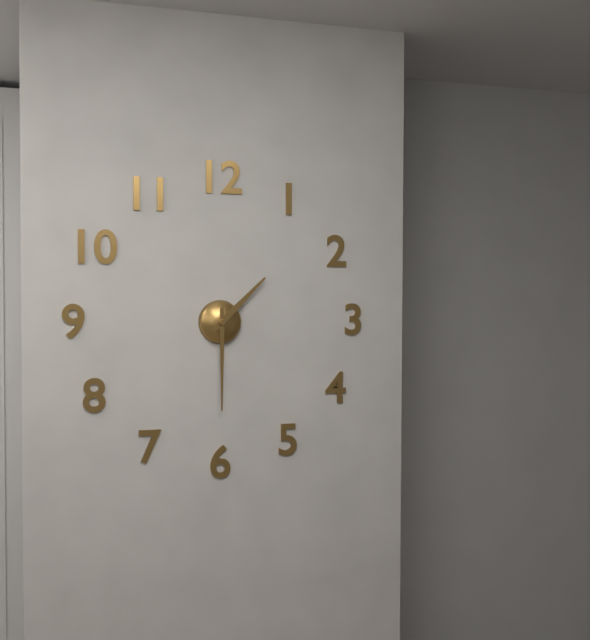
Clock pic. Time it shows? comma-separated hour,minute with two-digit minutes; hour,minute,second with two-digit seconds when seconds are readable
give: 1,30
